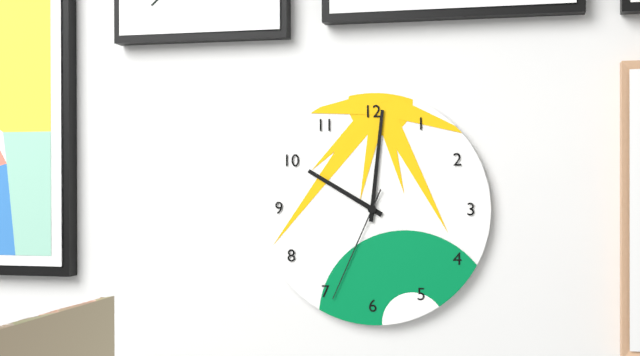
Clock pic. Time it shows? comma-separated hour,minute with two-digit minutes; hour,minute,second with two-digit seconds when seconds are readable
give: 10,01,34
